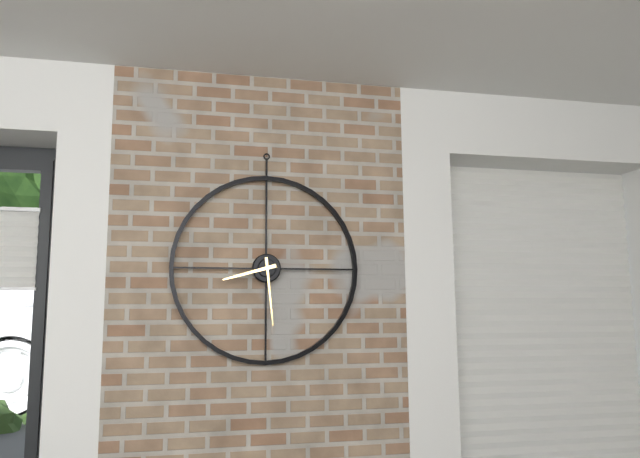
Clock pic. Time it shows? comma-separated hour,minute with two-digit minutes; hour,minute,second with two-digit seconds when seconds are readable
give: 8,29
